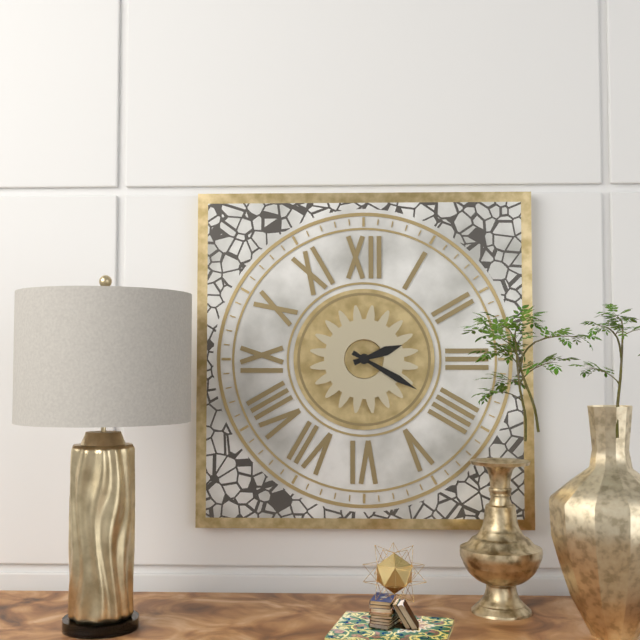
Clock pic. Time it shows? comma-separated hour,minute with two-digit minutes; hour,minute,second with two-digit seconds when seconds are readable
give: 2,20
